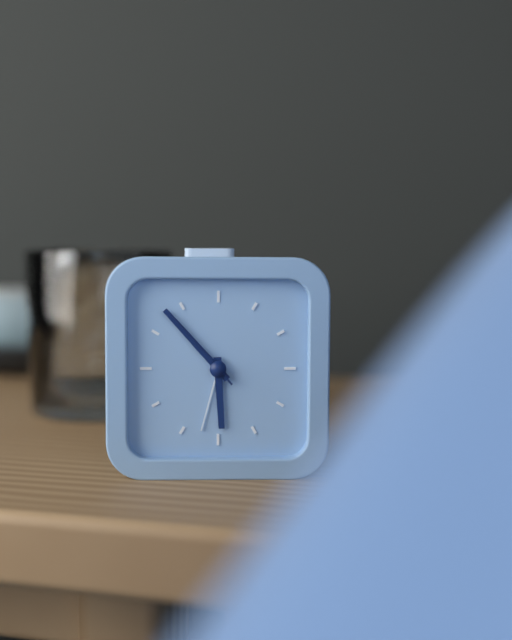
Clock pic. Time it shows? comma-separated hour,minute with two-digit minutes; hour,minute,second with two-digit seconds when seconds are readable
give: 5,53,53
